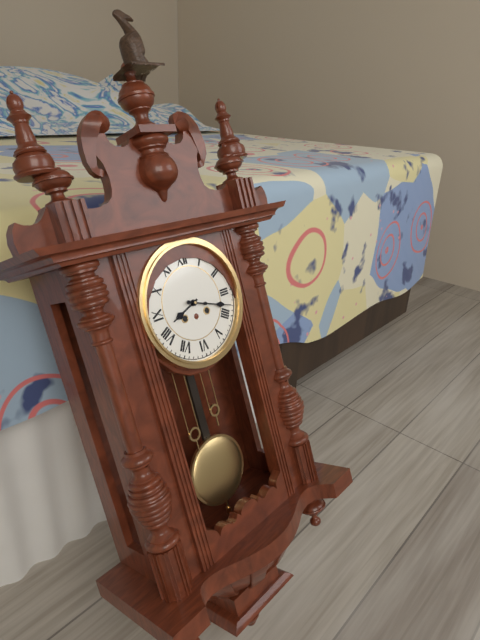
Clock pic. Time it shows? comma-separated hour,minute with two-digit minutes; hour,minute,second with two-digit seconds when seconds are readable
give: 8,18
